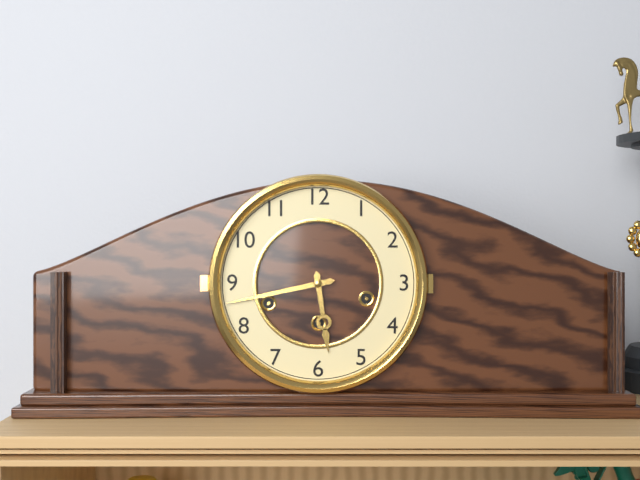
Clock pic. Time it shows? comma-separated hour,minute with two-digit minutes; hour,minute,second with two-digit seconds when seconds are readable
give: 5,43
